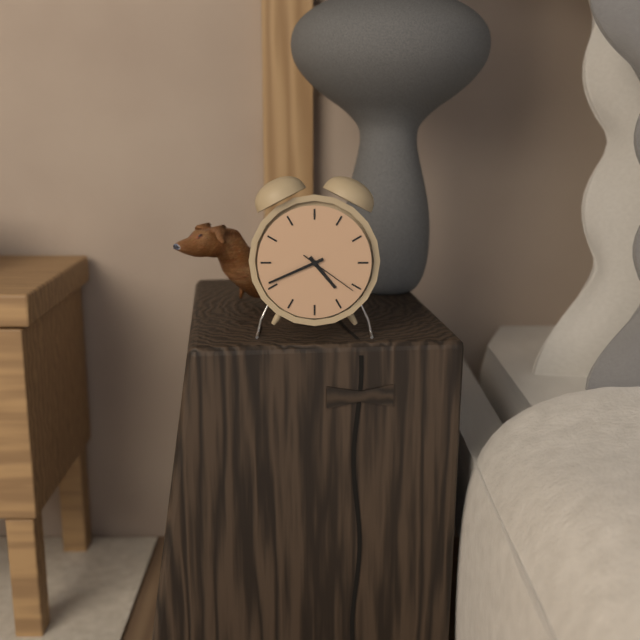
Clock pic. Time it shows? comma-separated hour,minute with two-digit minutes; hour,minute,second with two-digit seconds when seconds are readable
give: 4,41,21
